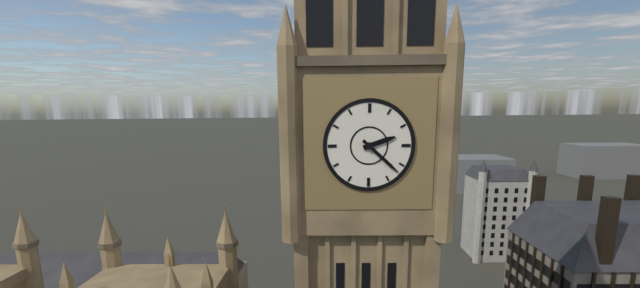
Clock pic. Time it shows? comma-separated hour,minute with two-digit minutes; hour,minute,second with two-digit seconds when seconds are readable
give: 2,22
